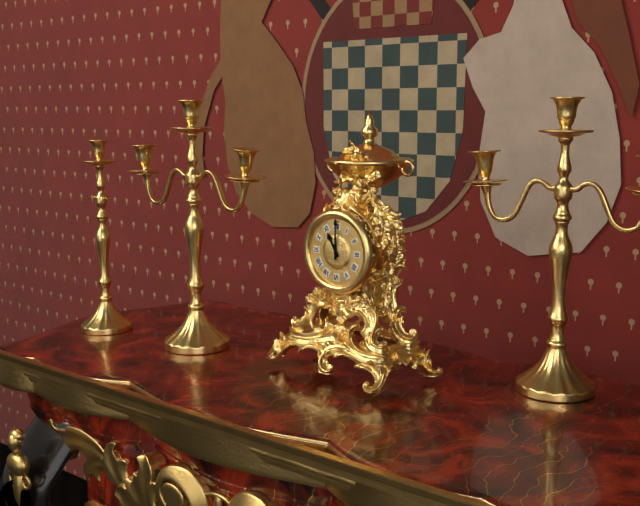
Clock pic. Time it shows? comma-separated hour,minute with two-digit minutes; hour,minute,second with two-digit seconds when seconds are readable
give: 11,00
